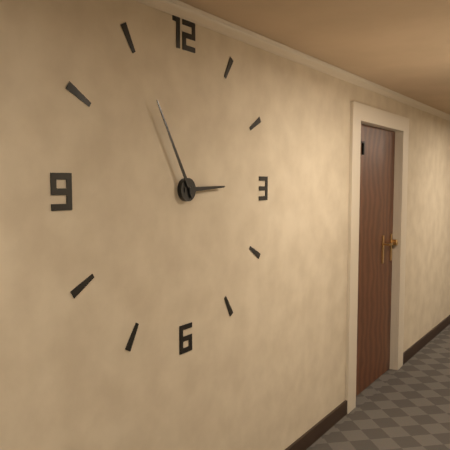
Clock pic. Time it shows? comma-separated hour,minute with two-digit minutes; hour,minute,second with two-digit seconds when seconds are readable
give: 2,55
